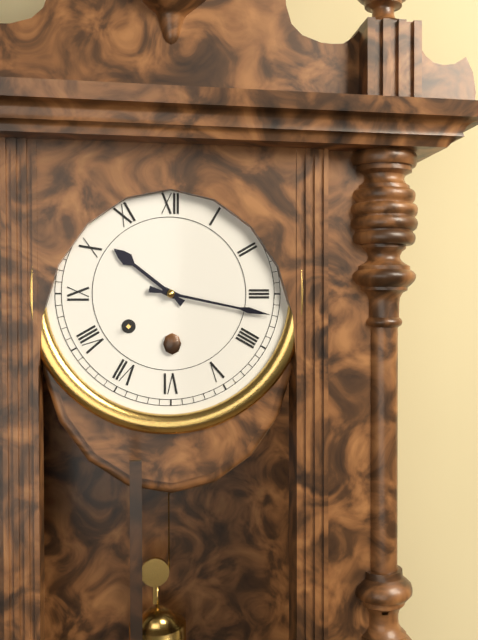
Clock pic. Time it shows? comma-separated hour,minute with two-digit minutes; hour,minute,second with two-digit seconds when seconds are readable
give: 10,17
